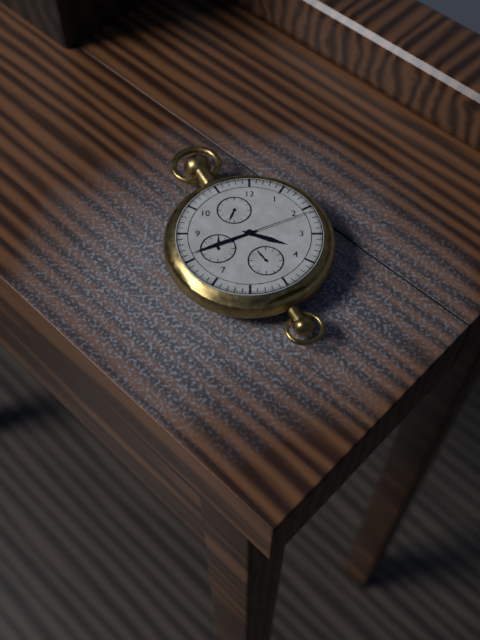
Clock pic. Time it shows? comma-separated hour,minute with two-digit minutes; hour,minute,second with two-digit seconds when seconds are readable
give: 3,41,11
